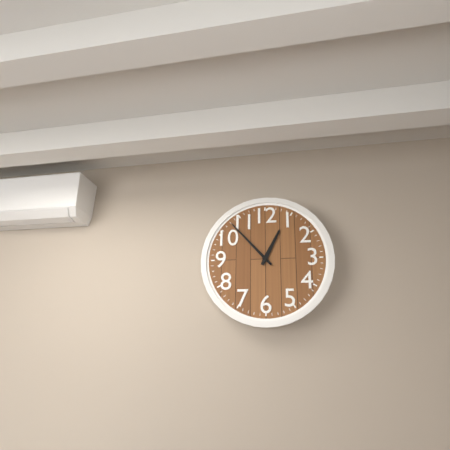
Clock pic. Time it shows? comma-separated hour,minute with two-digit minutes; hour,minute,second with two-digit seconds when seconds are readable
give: 12,53
